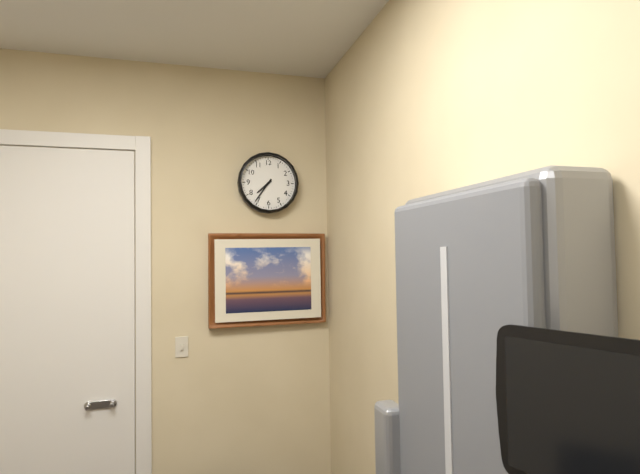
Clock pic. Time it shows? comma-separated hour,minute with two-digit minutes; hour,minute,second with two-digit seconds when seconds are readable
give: 7,36
